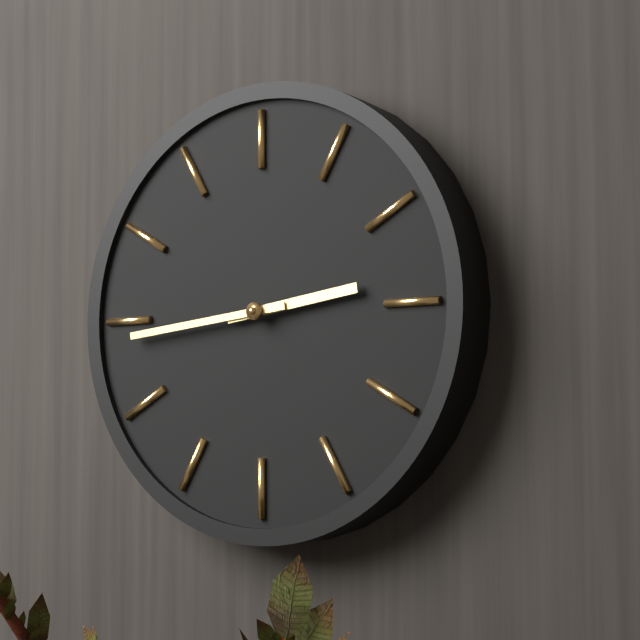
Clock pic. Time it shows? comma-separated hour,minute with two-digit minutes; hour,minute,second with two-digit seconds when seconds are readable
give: 2,44
